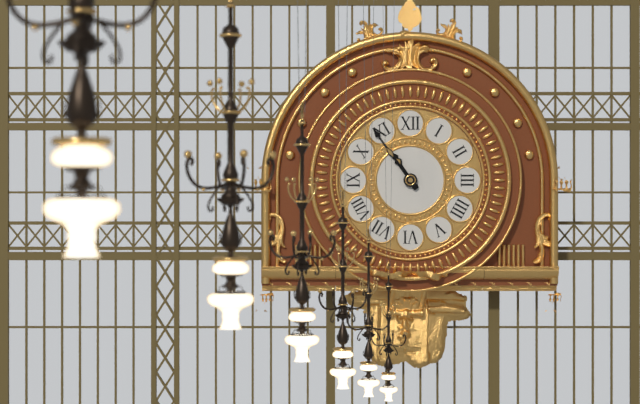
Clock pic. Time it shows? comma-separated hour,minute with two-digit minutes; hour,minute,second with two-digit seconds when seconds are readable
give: 10,54
